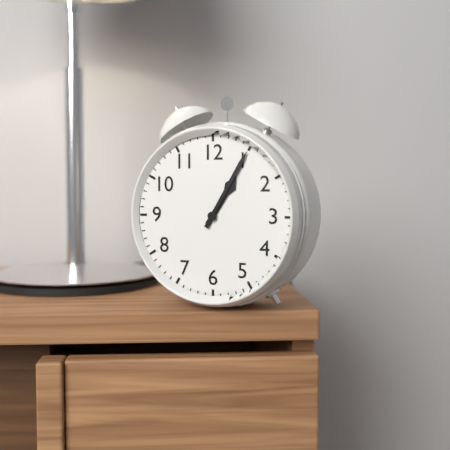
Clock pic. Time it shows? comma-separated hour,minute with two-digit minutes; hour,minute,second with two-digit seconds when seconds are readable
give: 1,05
